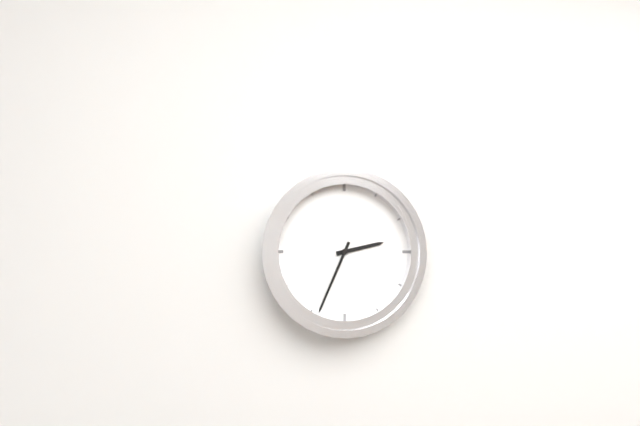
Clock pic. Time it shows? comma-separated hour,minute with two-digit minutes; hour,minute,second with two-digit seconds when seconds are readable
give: 2,34
